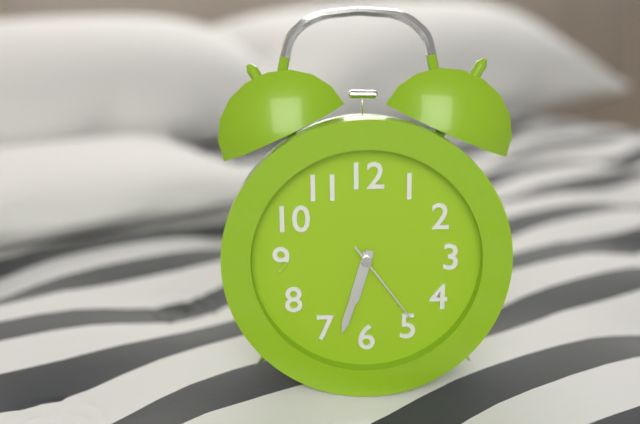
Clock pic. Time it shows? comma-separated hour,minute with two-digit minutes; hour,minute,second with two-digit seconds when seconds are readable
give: 6,33,24
